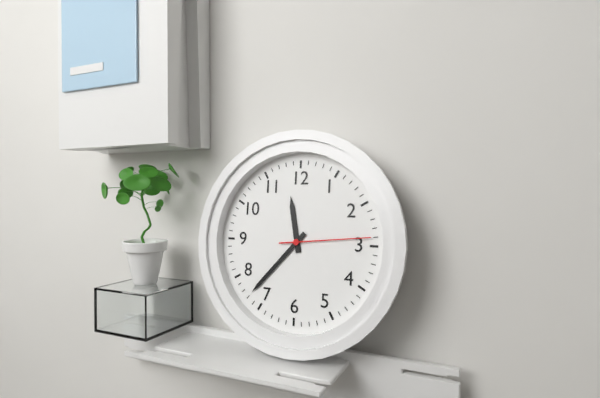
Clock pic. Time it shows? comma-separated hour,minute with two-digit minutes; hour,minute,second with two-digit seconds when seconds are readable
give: 11,37,14
